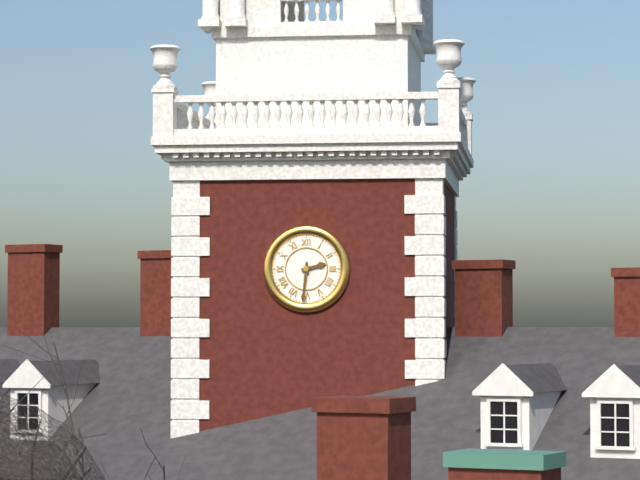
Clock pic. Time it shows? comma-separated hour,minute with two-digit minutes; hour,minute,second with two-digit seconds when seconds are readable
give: 2,31
